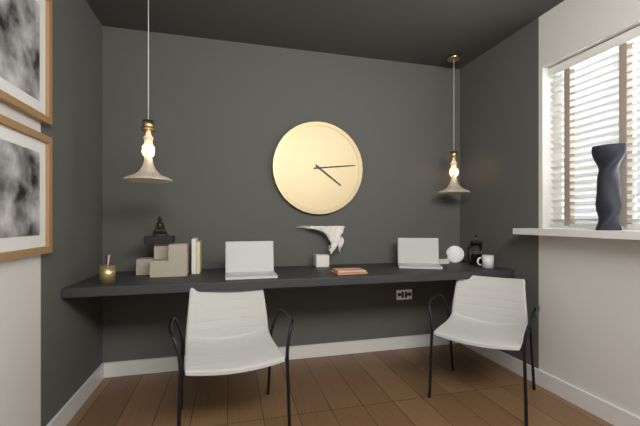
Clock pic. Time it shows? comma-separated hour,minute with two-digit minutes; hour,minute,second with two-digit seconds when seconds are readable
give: 4,14
